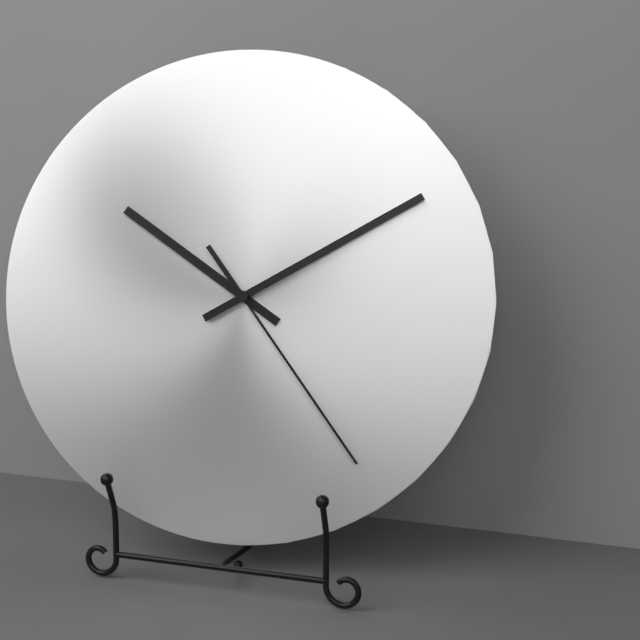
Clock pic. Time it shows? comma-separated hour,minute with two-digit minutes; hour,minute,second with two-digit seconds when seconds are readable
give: 10,10,24
